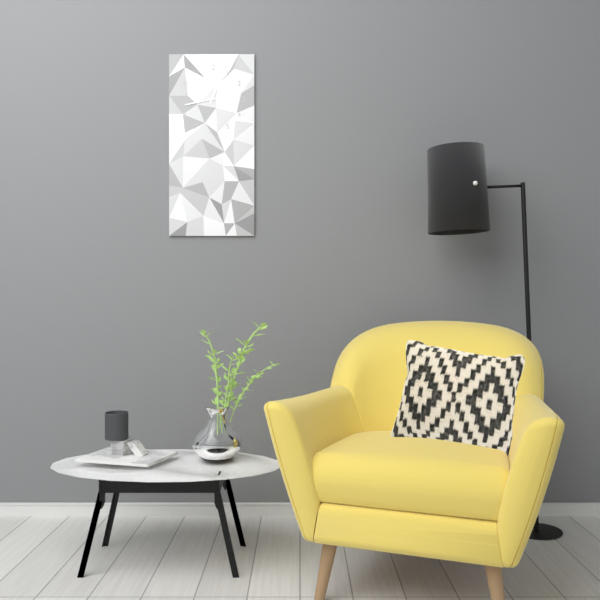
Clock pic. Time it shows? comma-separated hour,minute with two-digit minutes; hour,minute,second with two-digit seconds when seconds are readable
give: 12,43
